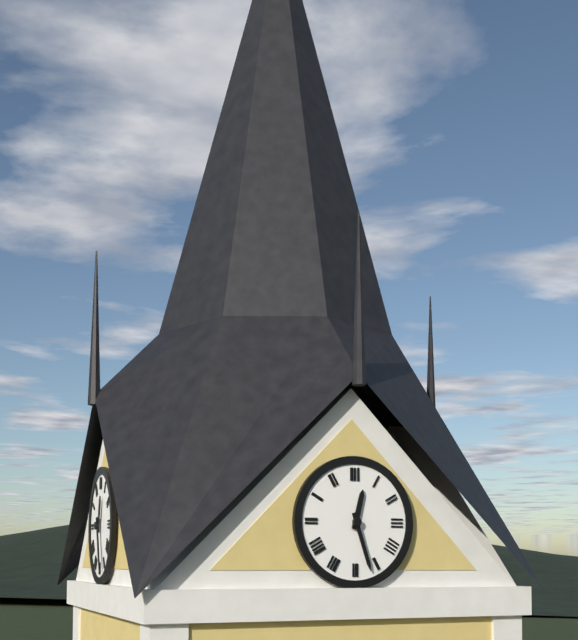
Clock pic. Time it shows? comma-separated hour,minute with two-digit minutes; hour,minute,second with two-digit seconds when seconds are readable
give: 12,27
